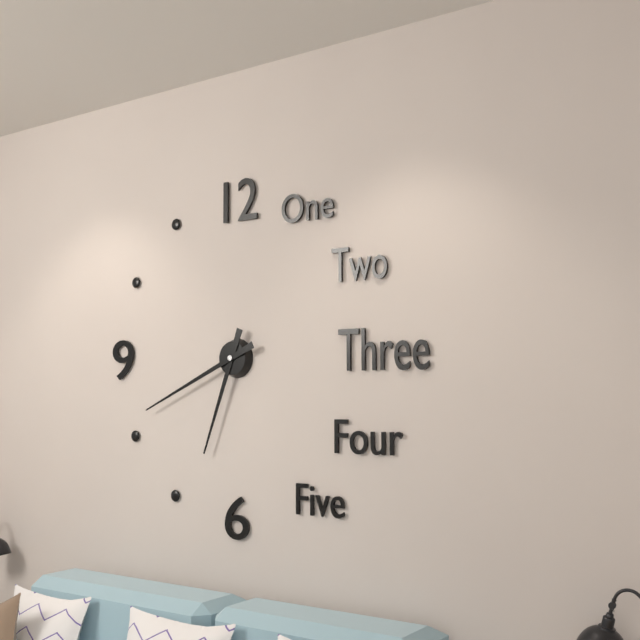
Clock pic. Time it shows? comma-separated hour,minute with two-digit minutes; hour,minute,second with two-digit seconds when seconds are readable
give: 6,41
